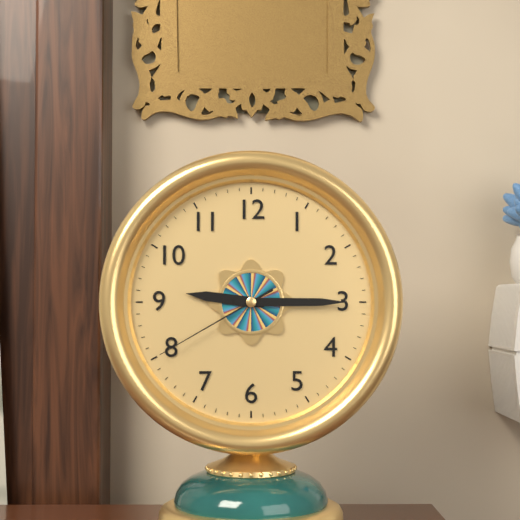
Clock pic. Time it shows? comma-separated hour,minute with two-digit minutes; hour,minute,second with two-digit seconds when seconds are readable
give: 9,15,40
